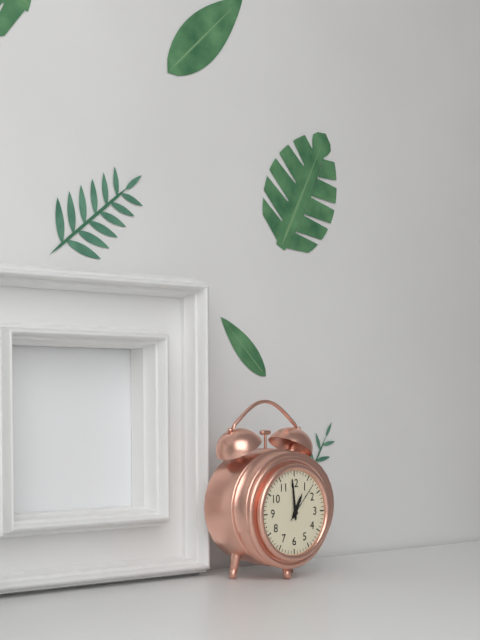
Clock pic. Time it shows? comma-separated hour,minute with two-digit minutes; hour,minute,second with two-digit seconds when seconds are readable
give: 12,59
